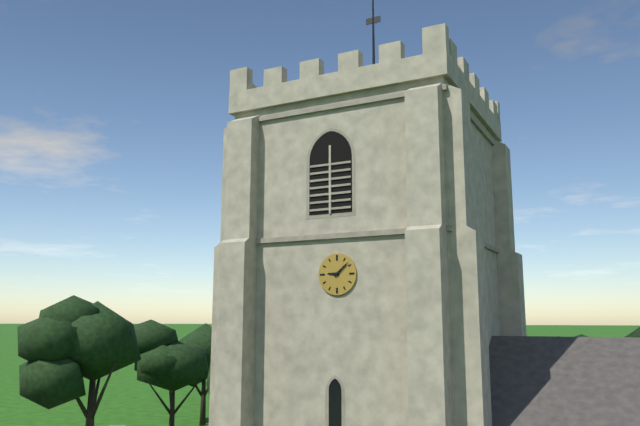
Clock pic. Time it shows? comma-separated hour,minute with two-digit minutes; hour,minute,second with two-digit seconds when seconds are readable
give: 9,08
